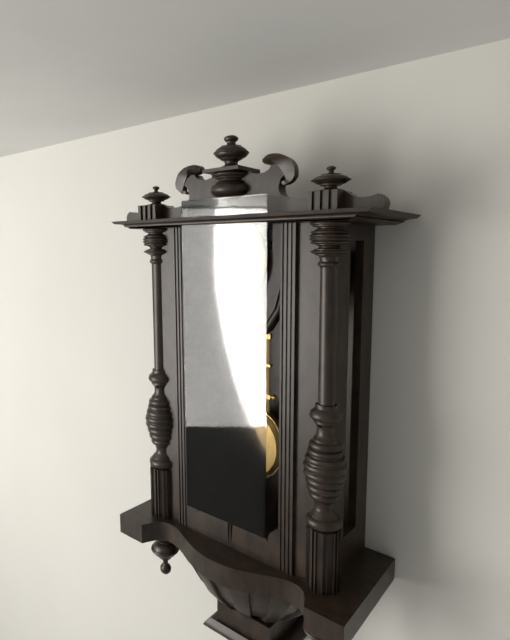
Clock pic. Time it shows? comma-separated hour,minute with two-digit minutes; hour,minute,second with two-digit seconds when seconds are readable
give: 2,13
